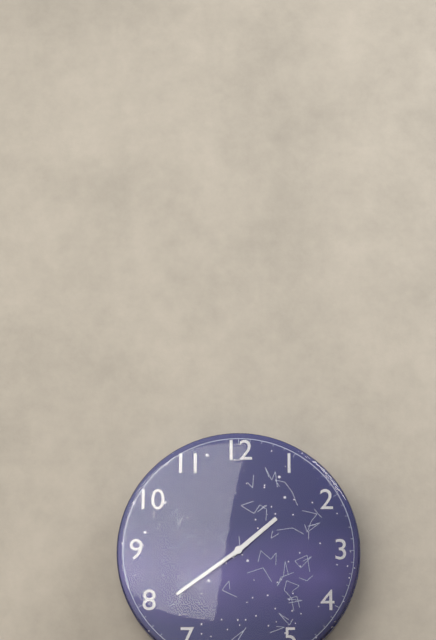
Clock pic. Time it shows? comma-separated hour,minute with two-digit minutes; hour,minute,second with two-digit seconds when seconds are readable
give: 1,39
